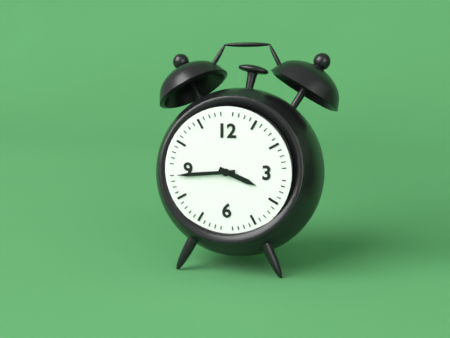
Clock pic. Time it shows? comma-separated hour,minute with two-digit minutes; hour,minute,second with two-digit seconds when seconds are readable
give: 3,44
